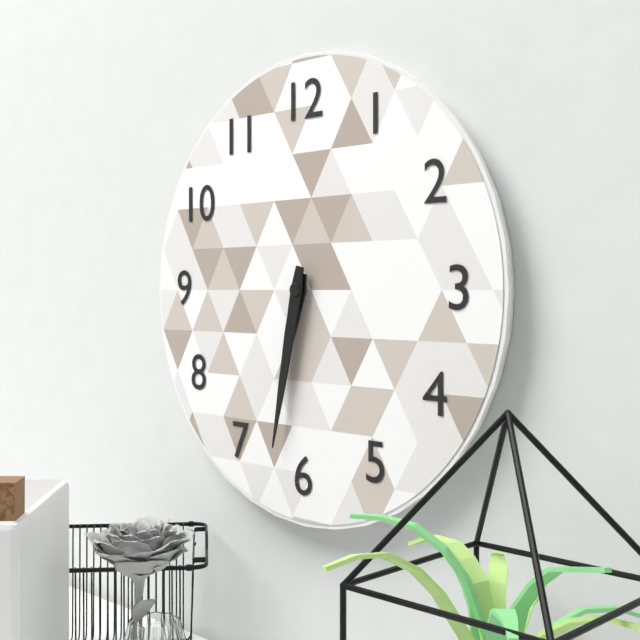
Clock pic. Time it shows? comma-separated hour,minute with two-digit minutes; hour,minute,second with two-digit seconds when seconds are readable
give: 6,32
